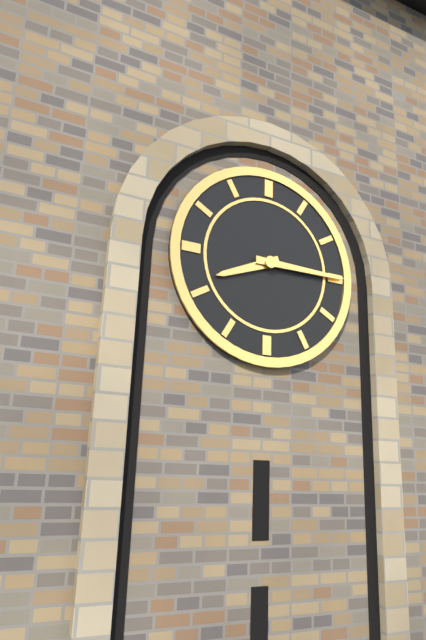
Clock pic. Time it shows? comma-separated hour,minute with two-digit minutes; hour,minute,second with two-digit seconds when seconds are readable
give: 8,15
